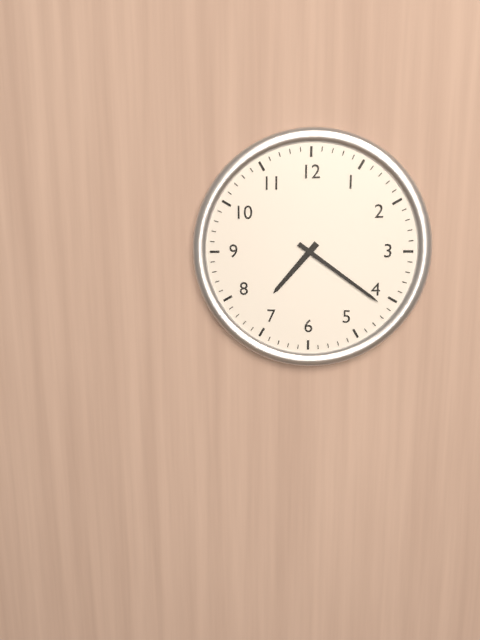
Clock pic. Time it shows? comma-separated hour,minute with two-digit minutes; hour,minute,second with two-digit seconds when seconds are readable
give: 7,21
